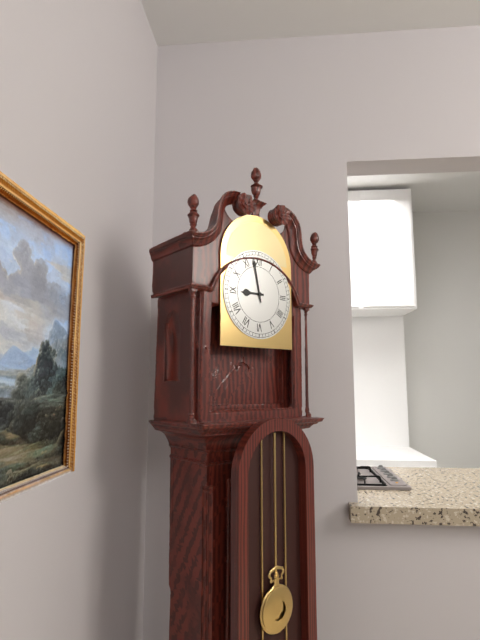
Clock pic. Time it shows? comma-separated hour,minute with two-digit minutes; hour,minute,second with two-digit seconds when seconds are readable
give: 8,58
